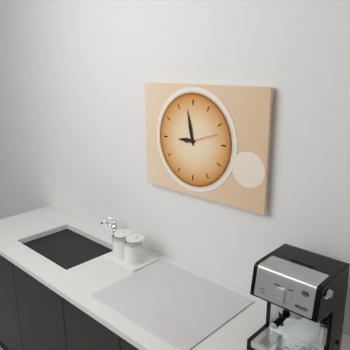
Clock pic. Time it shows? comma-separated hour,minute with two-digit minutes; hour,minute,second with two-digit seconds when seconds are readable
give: 8,58
